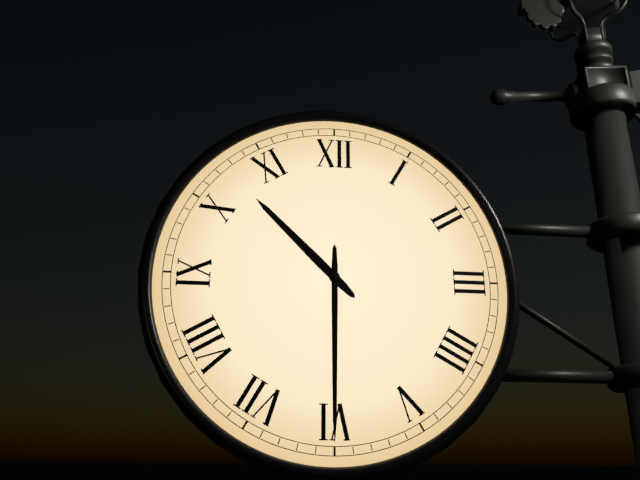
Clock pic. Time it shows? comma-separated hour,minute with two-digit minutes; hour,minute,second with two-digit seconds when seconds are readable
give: 10,30
